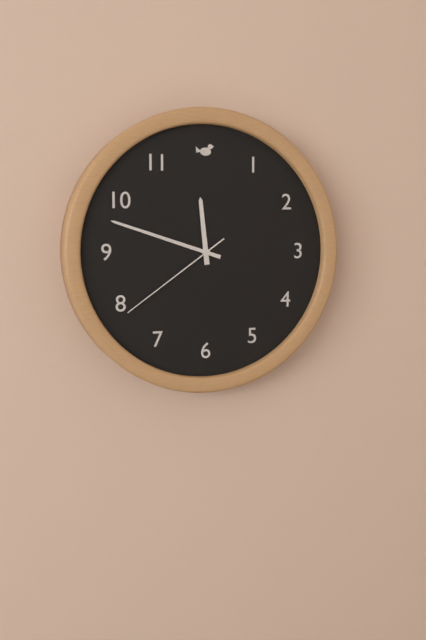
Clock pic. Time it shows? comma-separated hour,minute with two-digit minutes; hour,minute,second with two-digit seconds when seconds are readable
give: 11,48,39
